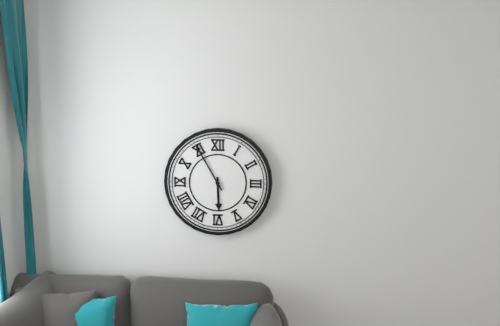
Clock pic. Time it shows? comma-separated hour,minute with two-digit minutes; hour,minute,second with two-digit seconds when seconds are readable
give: 5,55
